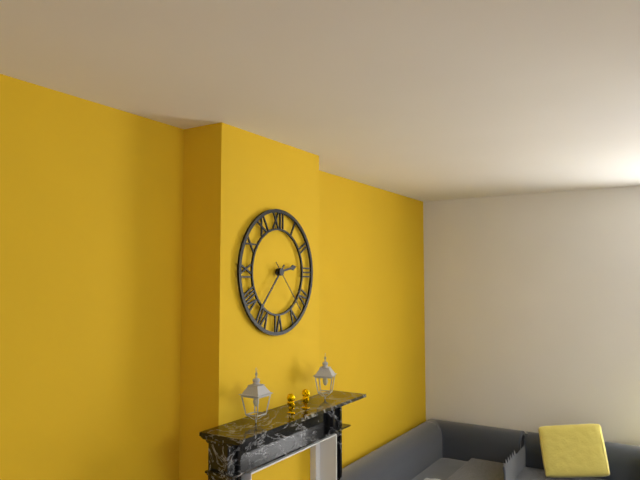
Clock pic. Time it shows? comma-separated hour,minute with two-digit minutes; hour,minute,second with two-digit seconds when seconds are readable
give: 2,37,23
